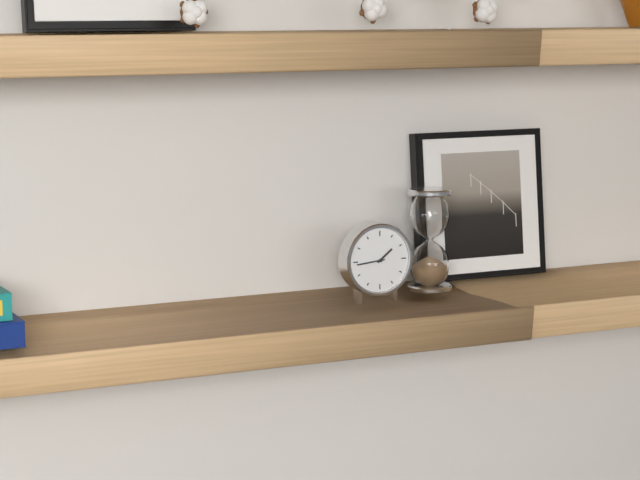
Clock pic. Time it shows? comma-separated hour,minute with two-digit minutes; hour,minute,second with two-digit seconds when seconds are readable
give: 1,44
